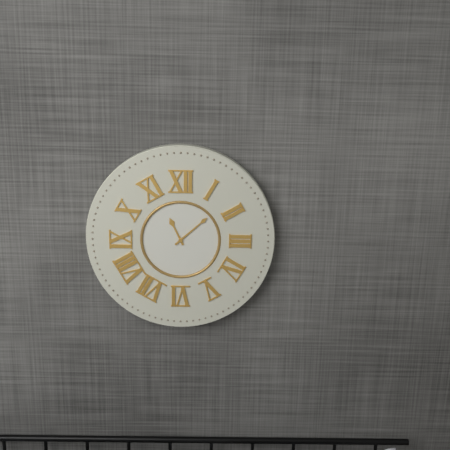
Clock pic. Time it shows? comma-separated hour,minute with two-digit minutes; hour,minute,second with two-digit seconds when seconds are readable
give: 11,08
